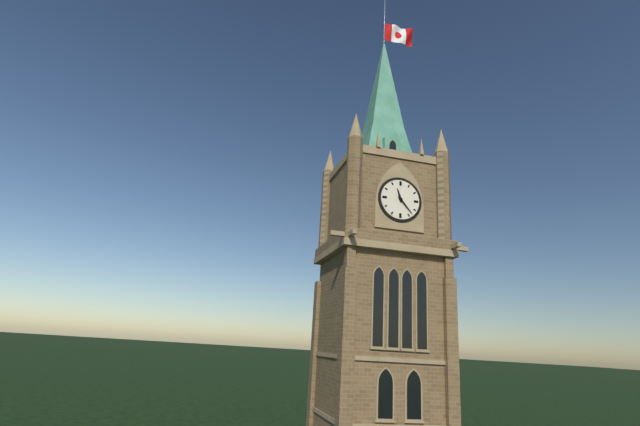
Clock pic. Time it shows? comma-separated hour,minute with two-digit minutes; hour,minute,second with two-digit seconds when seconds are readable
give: 11,23
